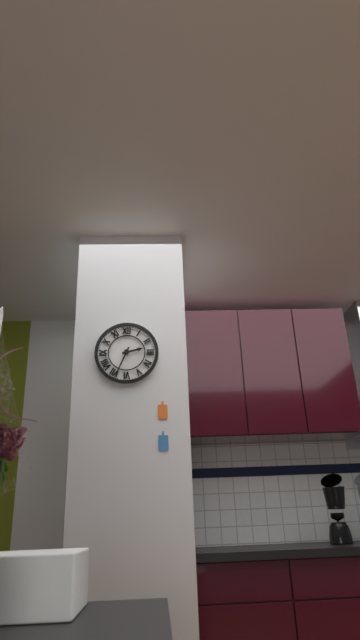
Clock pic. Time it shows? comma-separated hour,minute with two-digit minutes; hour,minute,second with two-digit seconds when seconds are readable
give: 2,34
